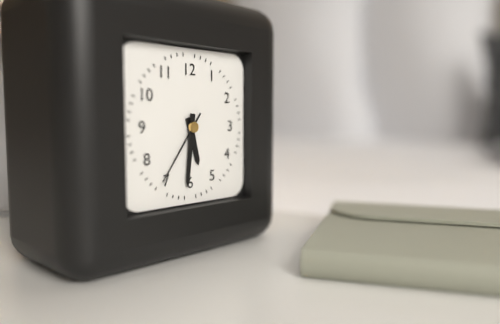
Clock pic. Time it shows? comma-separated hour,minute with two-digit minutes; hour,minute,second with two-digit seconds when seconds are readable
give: 5,31,36
